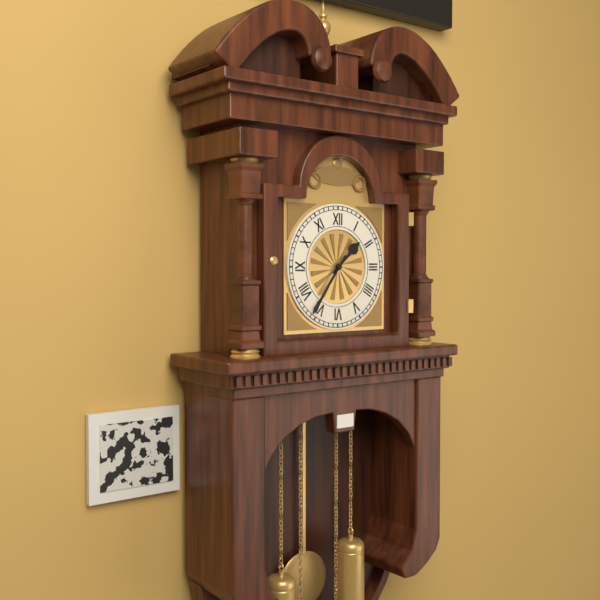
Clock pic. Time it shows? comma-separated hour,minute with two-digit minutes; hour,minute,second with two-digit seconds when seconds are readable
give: 1,36
